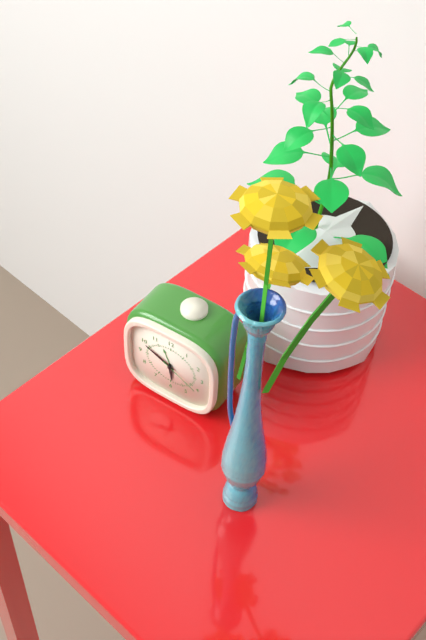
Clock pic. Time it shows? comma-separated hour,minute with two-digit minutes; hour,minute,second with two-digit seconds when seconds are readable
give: 5,49
